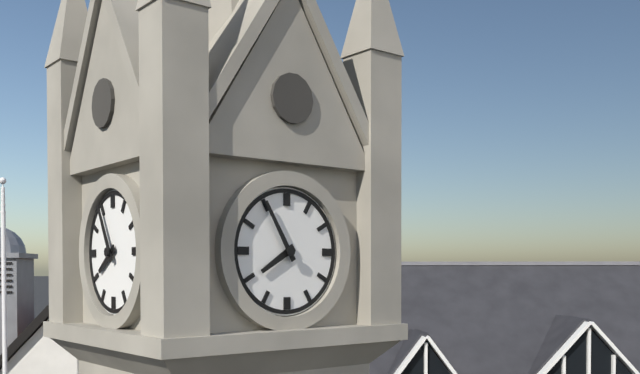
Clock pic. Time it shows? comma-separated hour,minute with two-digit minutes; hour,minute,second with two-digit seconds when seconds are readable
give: 7,55
